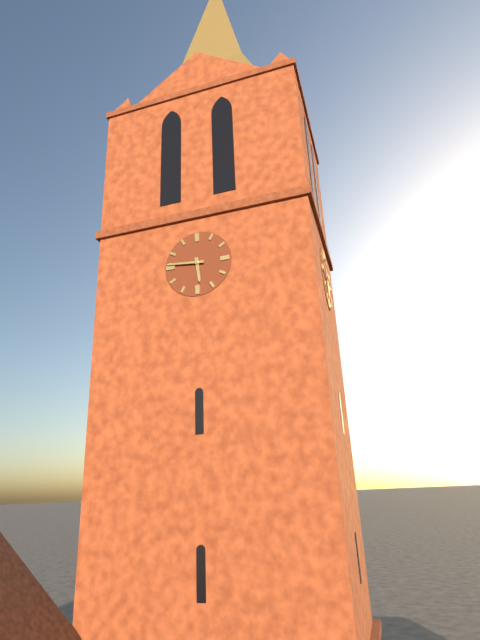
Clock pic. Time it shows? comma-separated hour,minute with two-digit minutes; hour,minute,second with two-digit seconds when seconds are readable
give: 5,46
